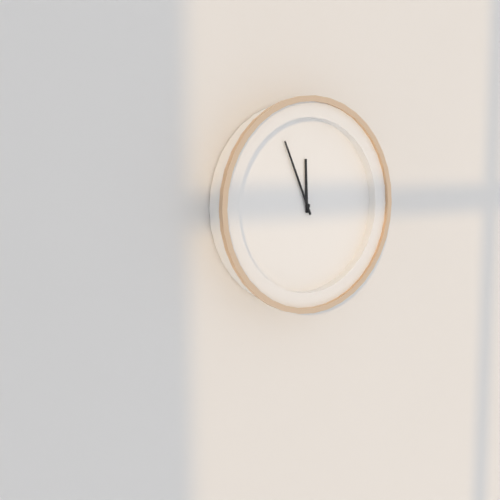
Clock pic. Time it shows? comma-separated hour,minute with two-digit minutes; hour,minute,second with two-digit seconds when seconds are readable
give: 11,56
